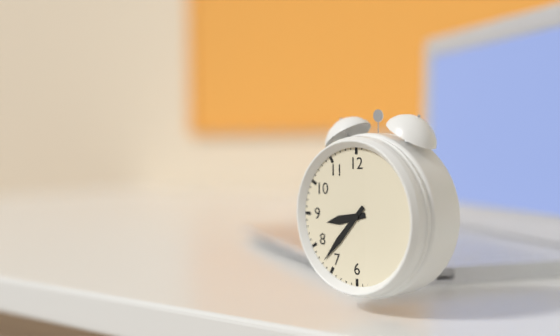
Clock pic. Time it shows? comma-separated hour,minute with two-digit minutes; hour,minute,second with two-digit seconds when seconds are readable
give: 8,37
